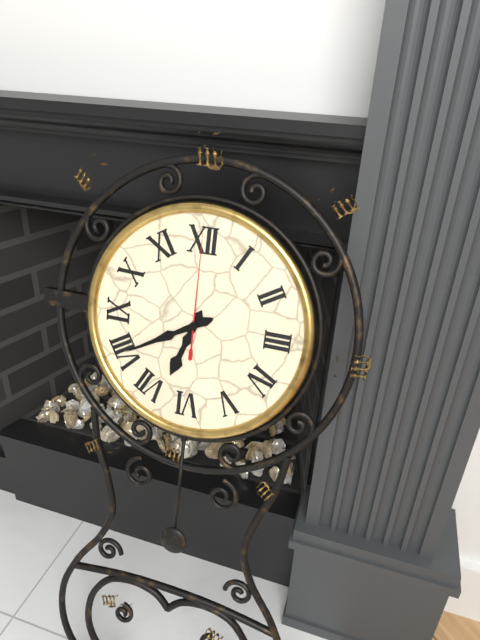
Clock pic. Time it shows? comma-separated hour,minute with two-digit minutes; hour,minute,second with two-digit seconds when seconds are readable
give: 6,40,00
